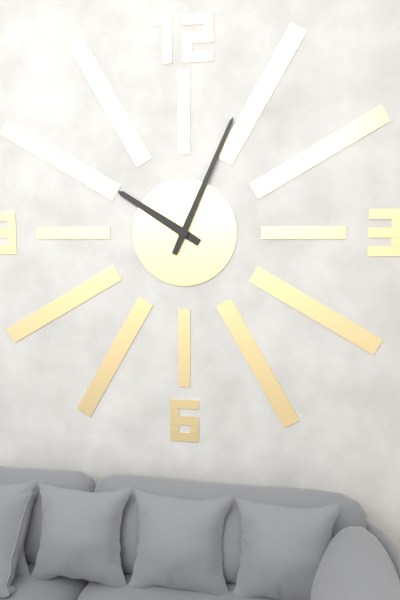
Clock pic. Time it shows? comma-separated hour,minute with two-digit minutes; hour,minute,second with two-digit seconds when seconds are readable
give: 10,04
